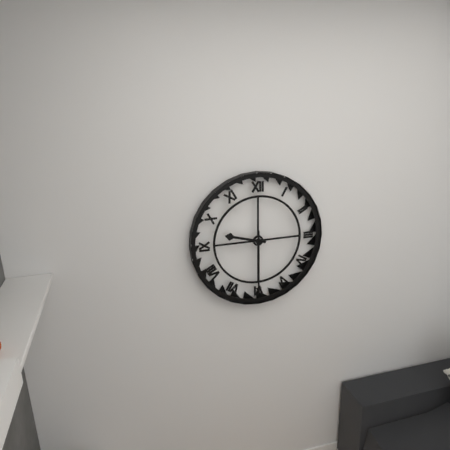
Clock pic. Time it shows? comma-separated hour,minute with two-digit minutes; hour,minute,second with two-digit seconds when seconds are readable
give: 9,30
